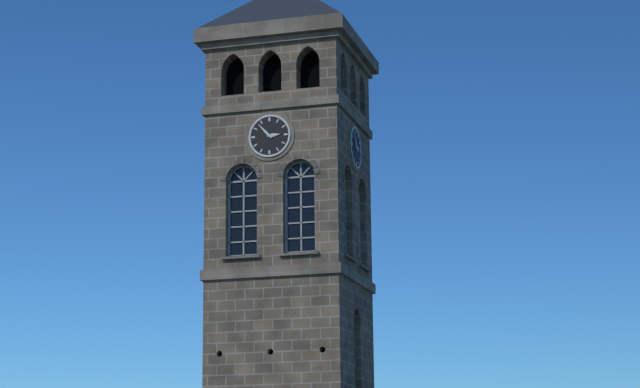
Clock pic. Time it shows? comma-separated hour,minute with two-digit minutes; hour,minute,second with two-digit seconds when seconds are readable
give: 2,53
